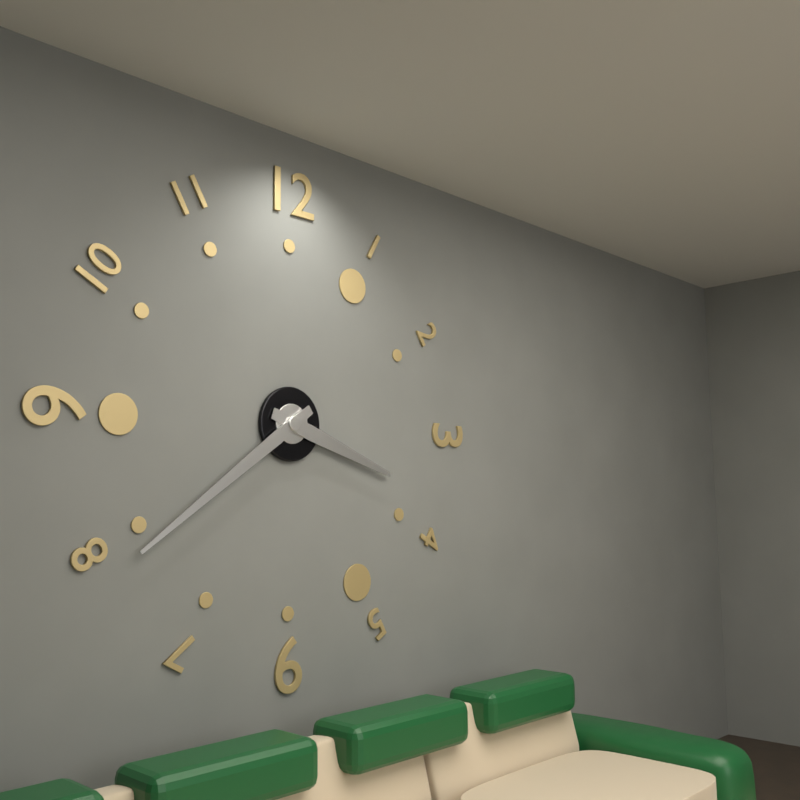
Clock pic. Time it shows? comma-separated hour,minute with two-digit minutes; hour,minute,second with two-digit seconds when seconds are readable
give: 3,39
